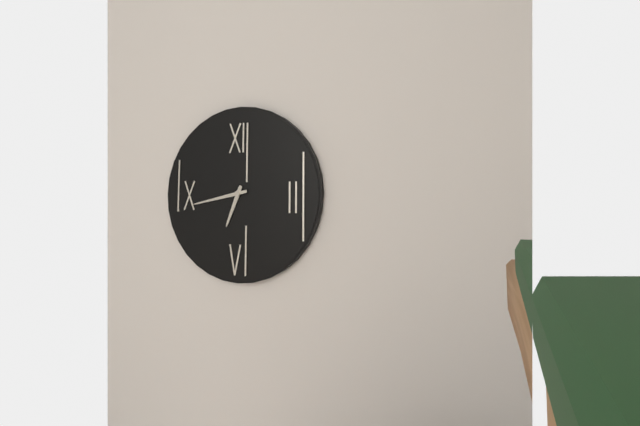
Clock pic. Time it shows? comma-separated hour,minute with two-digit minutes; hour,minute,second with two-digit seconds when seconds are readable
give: 6,43
